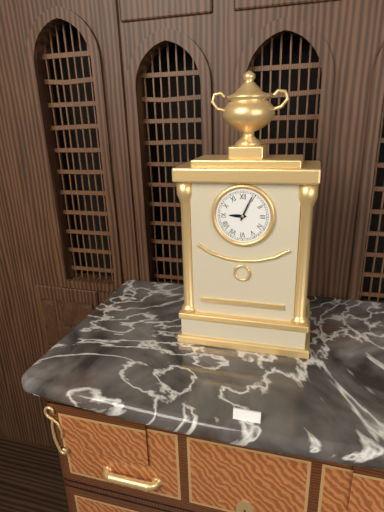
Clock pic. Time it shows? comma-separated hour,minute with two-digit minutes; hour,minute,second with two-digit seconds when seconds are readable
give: 9,04
